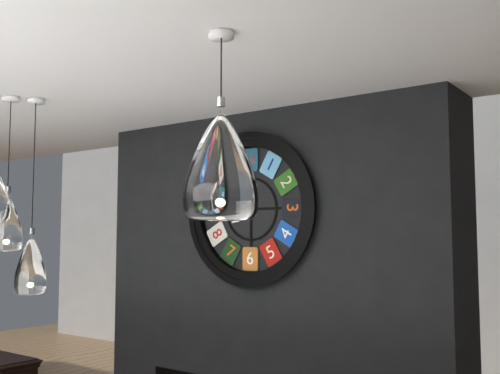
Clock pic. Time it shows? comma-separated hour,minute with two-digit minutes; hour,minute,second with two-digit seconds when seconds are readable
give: 7,58
